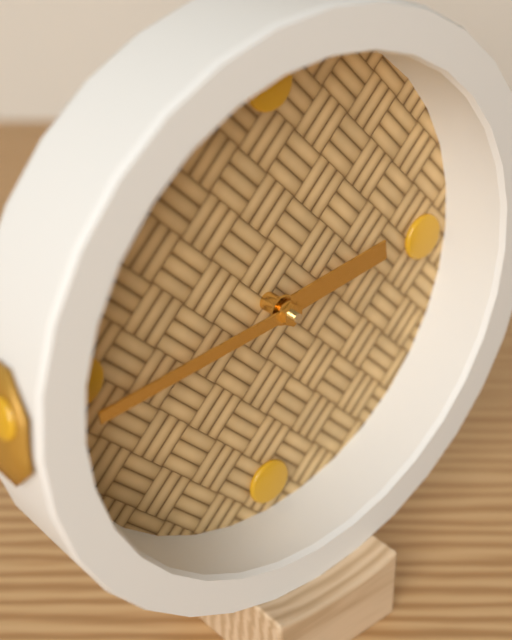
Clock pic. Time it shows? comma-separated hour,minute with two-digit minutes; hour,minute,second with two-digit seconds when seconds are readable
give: 2,44
